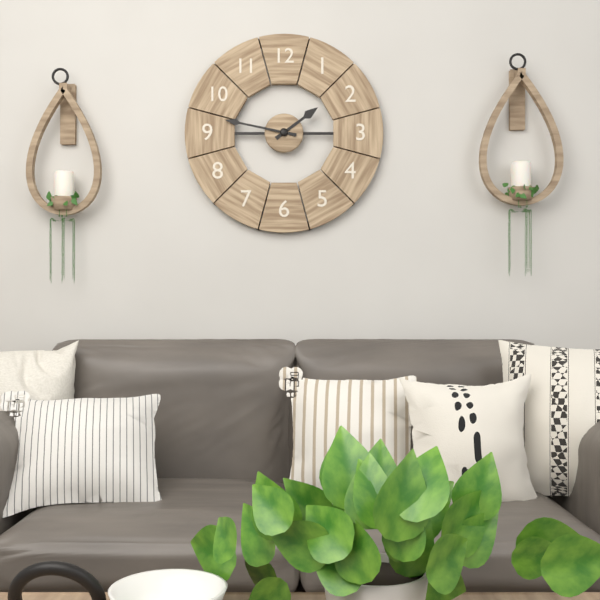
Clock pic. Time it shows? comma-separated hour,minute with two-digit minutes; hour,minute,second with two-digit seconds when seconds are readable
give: 1,47
